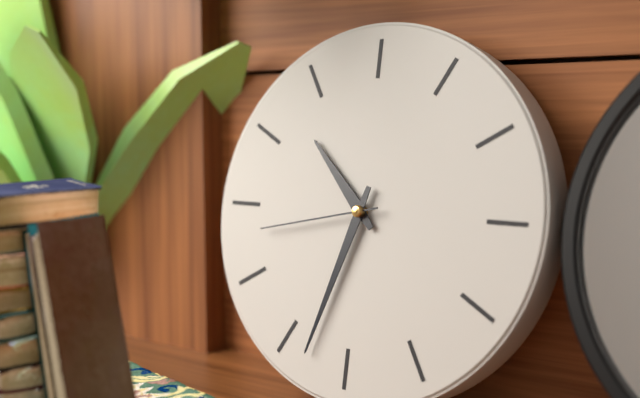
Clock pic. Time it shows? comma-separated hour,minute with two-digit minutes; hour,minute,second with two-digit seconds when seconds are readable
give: 10,33,43
